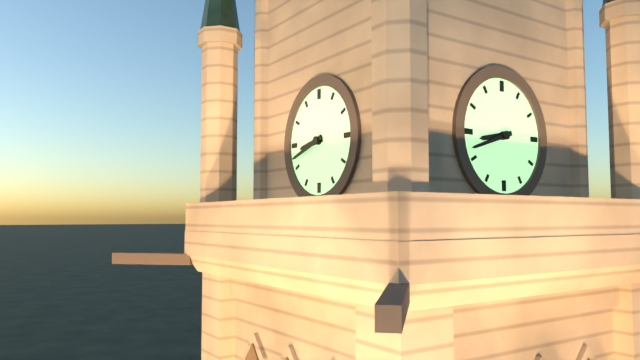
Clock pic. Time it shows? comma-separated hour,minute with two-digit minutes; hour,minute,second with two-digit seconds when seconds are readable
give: 8,42
